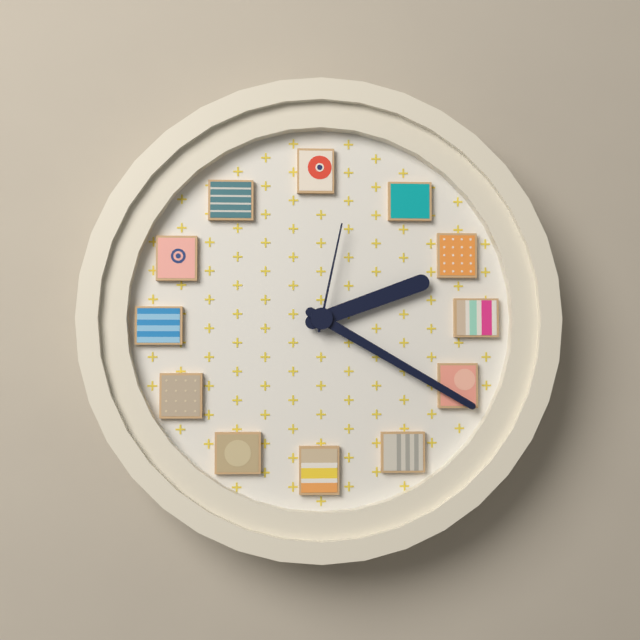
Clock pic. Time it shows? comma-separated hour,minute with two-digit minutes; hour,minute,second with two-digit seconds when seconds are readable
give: 2,20,02
